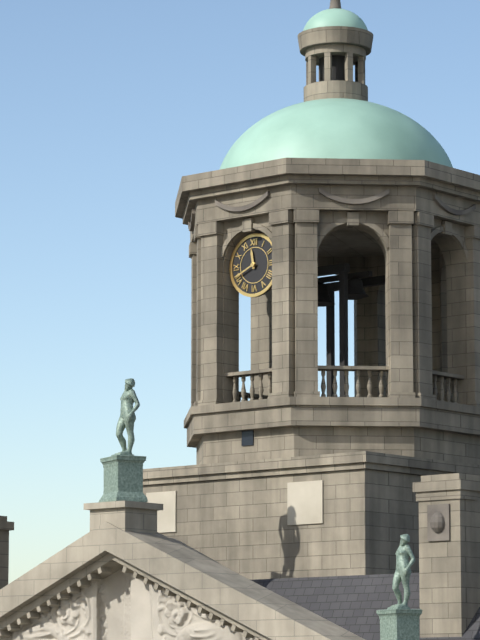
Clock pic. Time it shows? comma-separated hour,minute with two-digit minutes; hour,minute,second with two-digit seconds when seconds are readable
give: 11,41
